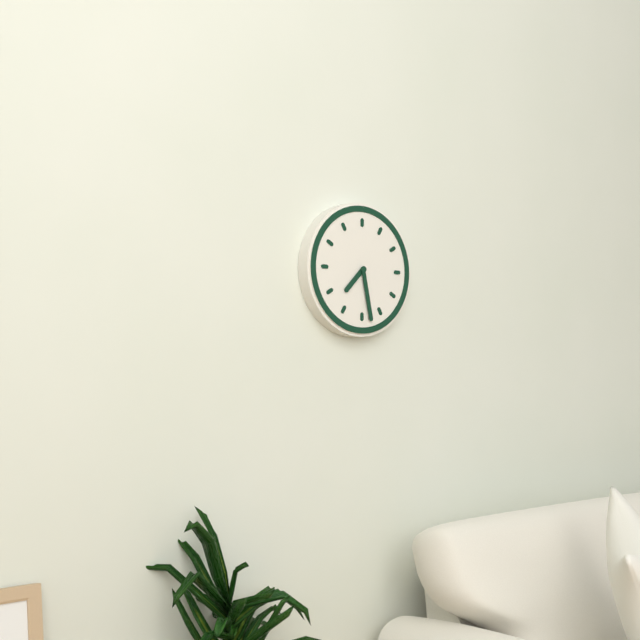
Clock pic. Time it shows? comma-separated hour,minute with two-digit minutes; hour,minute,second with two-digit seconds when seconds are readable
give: 7,28
